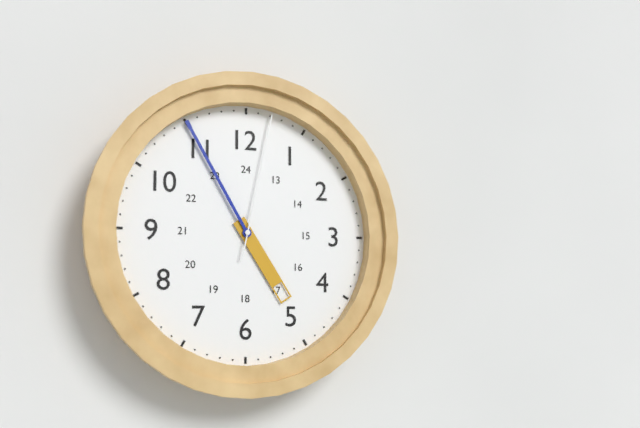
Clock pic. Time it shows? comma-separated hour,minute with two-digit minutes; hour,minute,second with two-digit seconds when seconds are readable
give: 4,55,02
